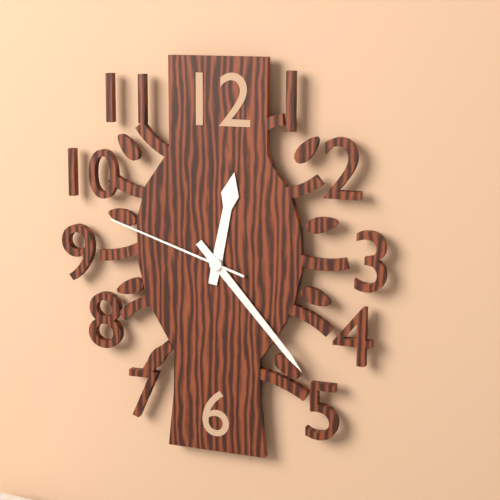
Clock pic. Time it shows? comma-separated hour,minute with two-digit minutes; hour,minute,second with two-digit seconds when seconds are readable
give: 12,23,48
